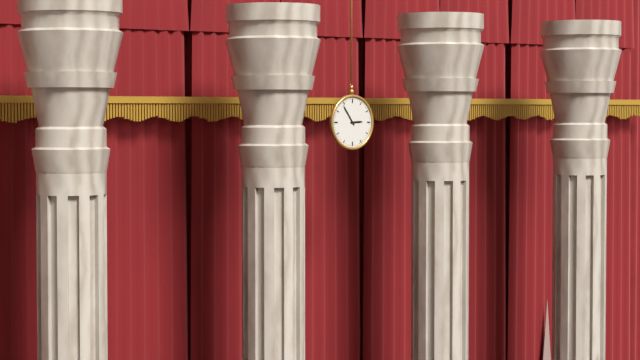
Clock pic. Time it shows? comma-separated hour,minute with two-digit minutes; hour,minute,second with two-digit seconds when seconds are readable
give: 2,54
